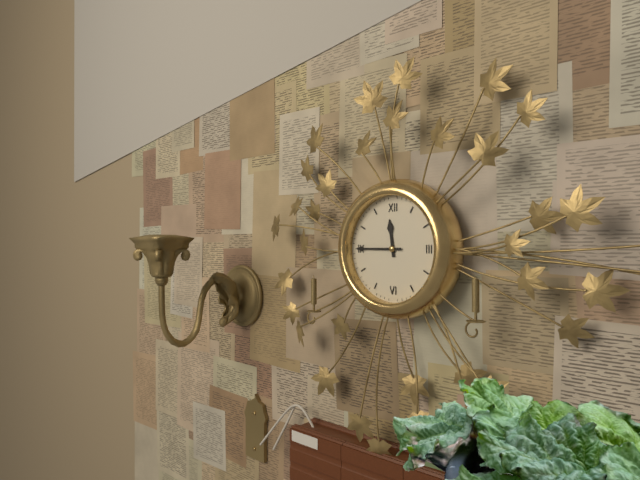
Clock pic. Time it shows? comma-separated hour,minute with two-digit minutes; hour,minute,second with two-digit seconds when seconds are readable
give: 11,45
